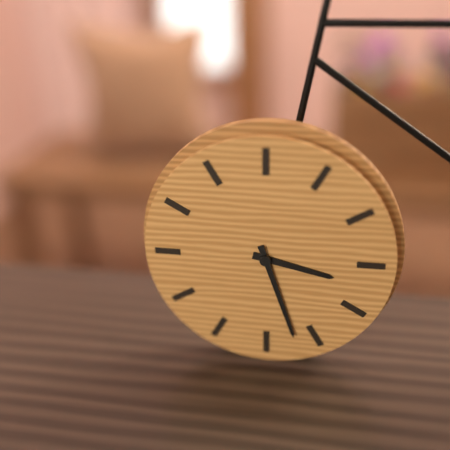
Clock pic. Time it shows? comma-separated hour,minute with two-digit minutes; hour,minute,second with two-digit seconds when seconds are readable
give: 3,27
